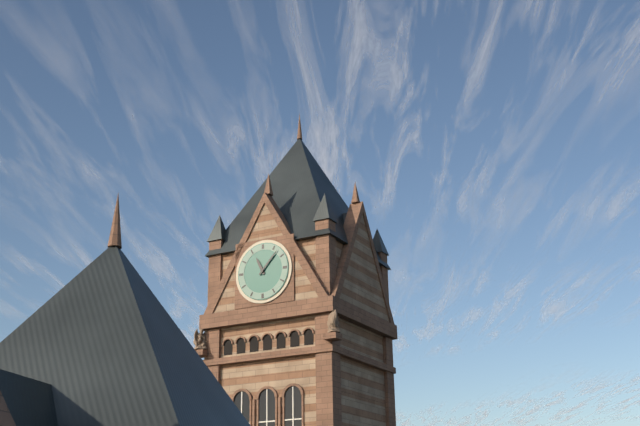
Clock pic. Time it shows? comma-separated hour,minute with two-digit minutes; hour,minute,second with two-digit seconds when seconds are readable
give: 11,07
